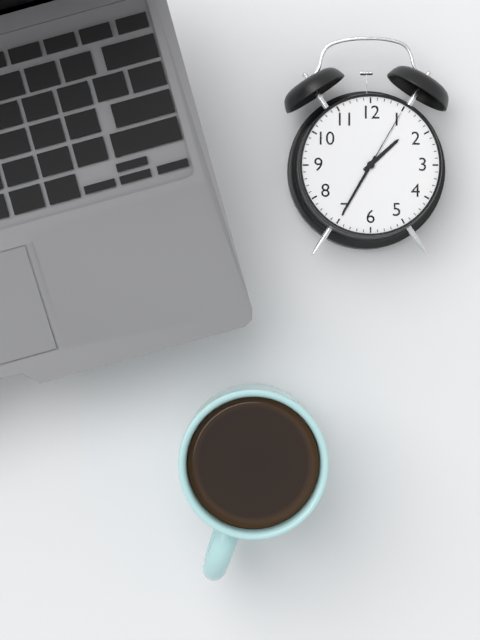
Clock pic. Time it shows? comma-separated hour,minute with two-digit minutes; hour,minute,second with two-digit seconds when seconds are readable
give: 1,35,05
